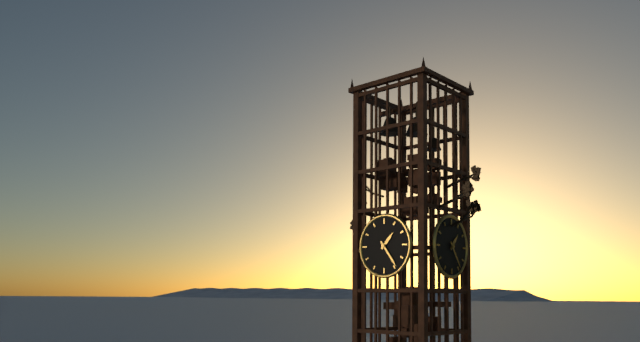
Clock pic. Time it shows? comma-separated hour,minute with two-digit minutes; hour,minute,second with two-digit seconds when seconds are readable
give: 1,24
